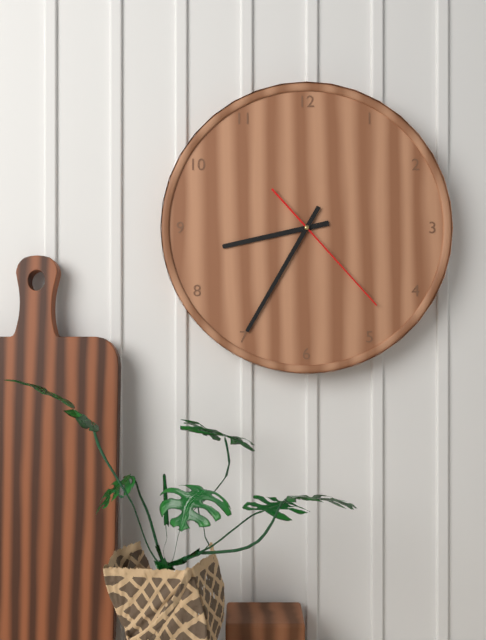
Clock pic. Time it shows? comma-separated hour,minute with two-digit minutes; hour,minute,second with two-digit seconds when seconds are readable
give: 8,35,23
